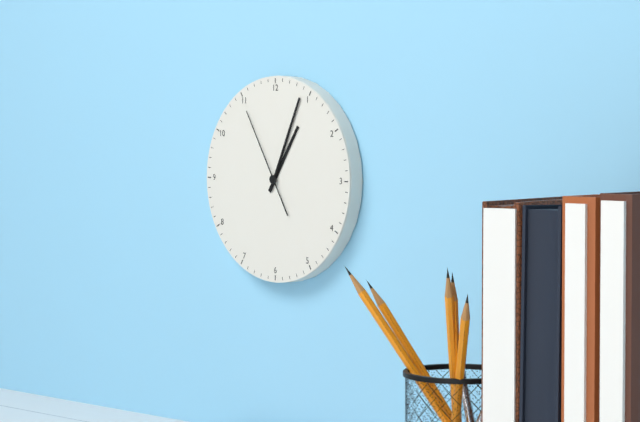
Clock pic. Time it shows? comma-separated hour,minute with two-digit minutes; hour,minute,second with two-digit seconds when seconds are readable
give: 1,04,55
